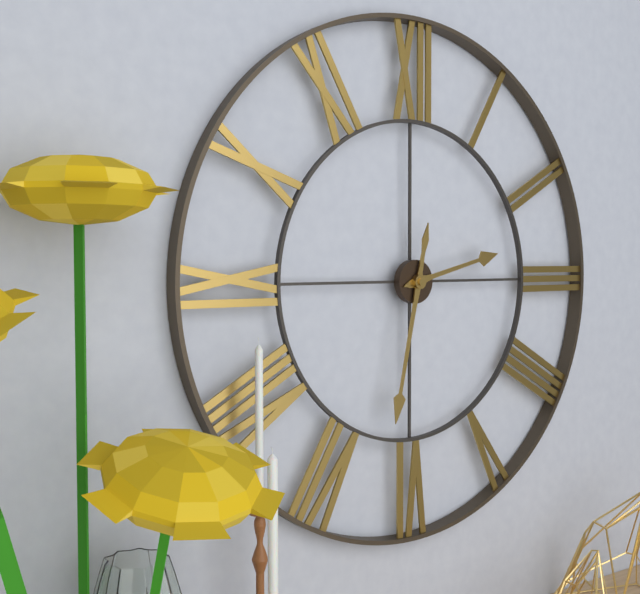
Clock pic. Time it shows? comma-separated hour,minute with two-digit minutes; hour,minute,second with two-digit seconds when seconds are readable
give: 2,32
